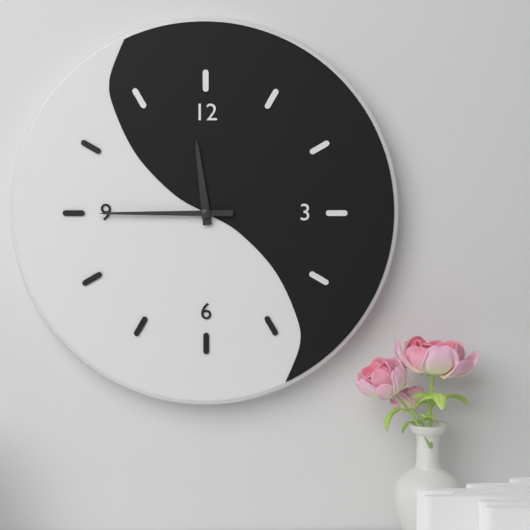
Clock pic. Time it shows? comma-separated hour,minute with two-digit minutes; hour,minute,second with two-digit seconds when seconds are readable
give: 11,45
